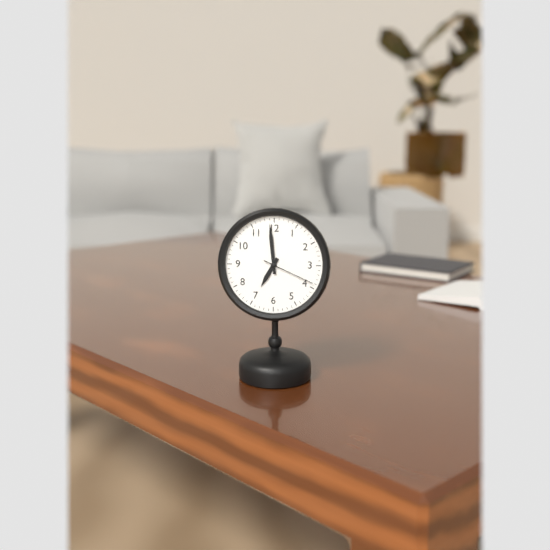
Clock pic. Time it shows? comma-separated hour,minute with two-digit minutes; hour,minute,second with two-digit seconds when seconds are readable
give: 6,59,19
